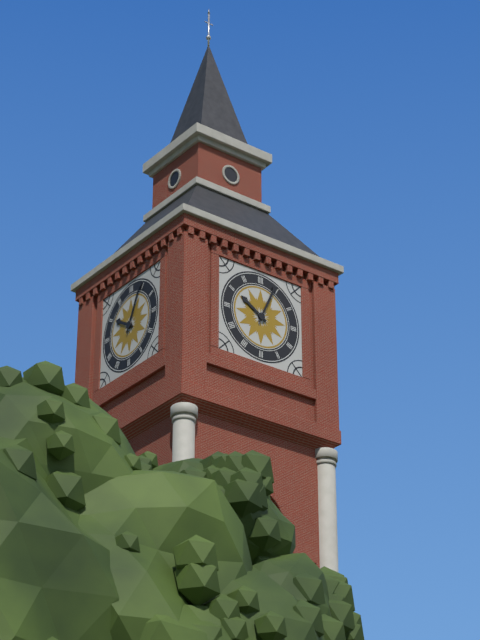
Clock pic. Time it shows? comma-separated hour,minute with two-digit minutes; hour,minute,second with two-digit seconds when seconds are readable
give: 10,04
